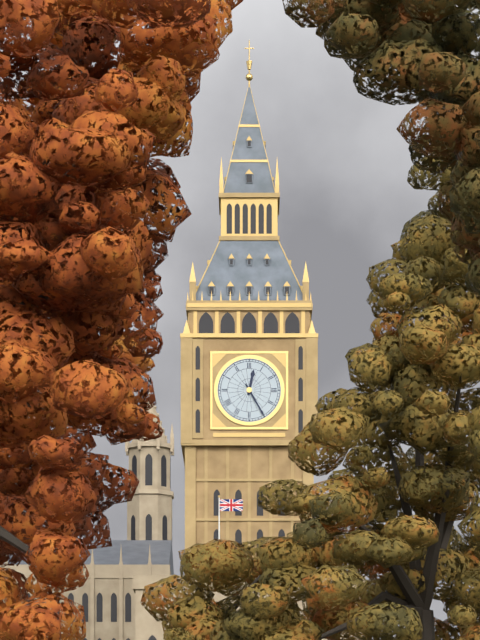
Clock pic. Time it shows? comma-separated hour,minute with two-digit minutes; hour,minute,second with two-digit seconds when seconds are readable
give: 12,25
